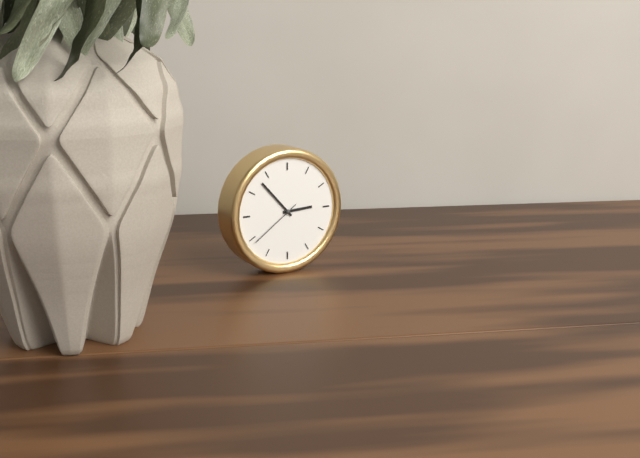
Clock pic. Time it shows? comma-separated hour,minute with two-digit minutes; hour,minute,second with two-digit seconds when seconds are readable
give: 2,53,39
